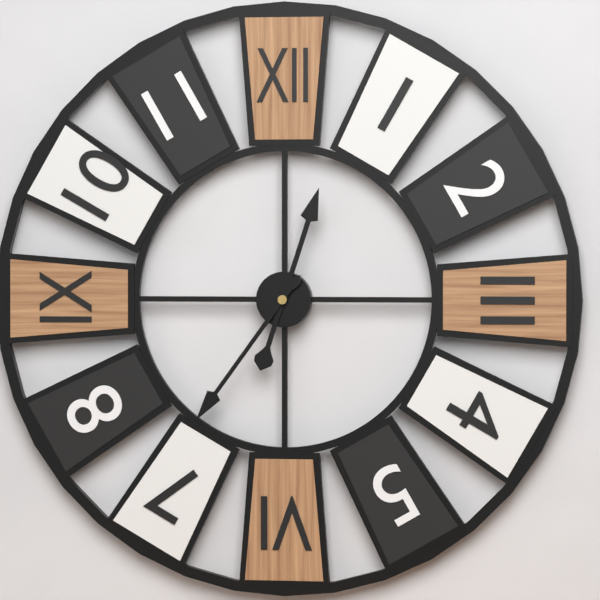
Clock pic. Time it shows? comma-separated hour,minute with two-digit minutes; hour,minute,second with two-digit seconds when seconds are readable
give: 12,36
